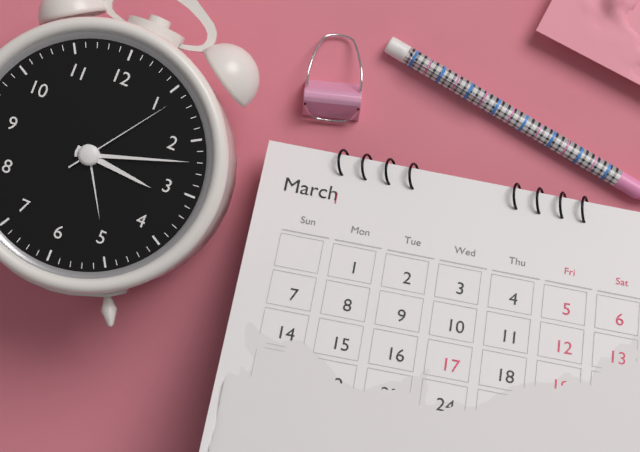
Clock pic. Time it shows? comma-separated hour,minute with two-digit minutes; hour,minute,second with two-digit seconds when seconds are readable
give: 3,12,06
